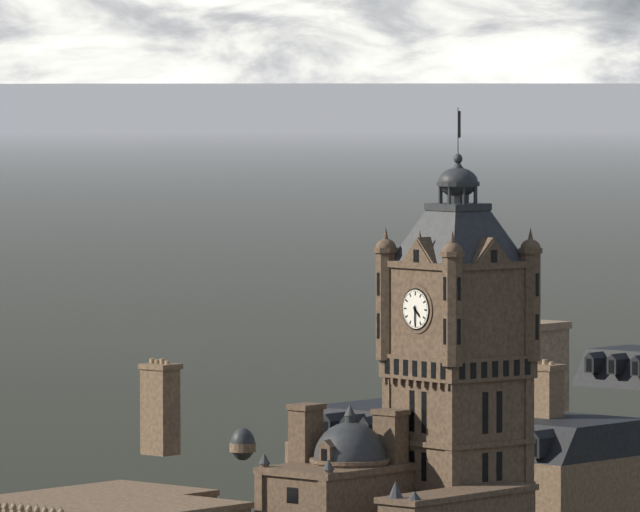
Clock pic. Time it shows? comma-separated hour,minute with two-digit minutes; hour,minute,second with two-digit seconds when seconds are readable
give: 4,30
